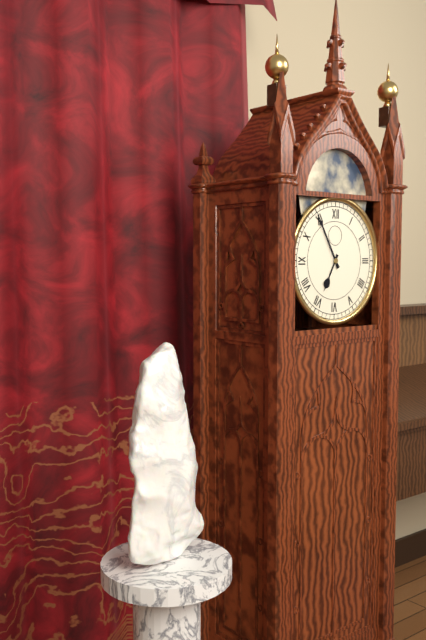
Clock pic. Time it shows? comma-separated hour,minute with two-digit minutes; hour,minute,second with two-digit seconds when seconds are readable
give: 6,55
